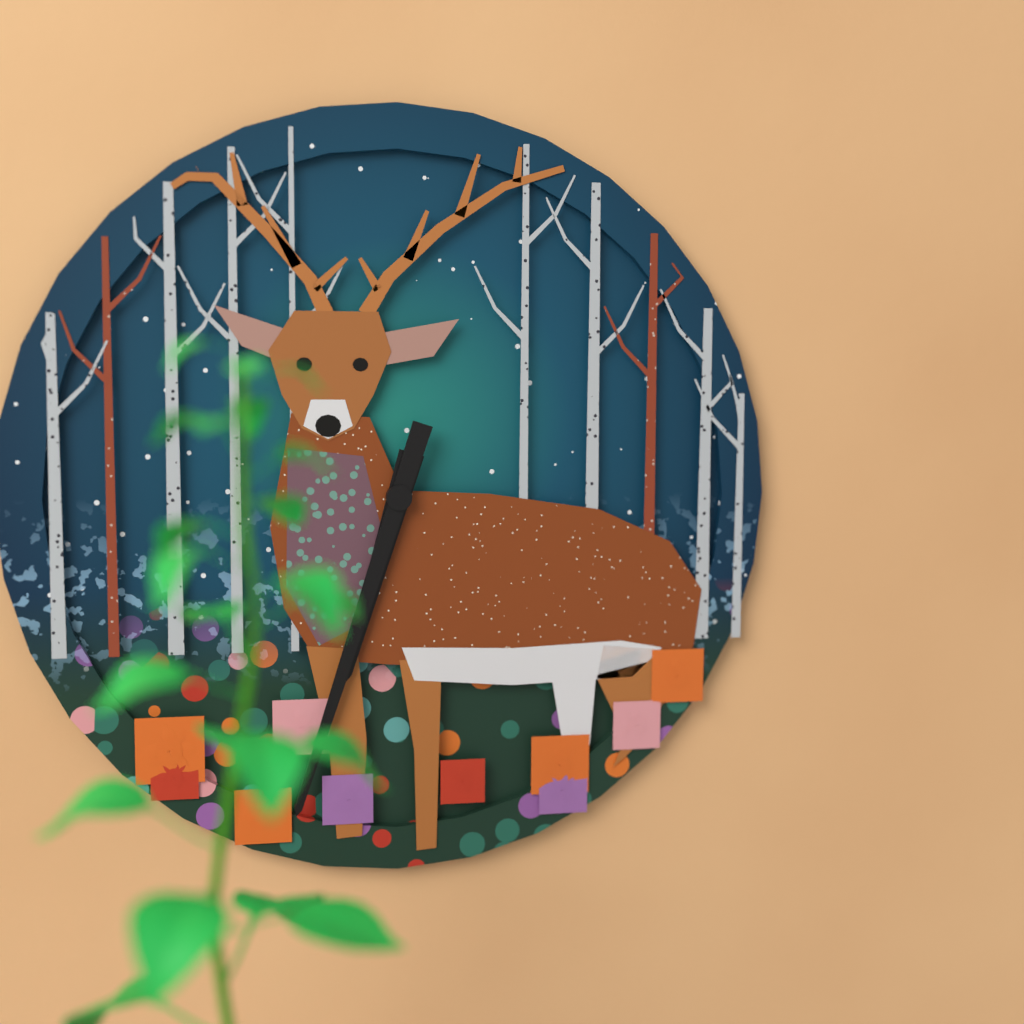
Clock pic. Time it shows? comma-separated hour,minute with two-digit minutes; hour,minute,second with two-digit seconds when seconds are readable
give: 6,33
